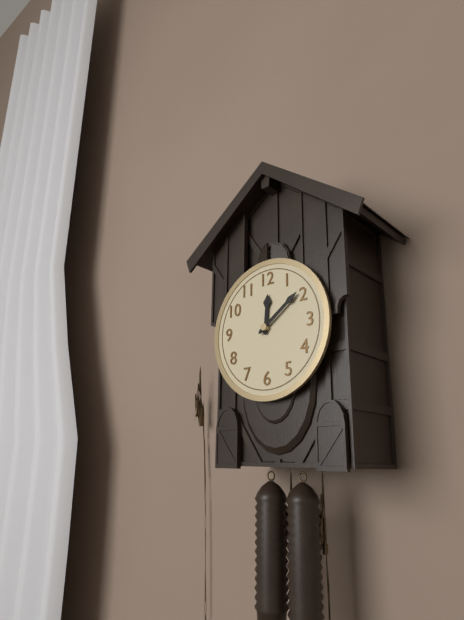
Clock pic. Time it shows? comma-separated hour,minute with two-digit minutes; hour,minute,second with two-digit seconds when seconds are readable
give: 12,09
